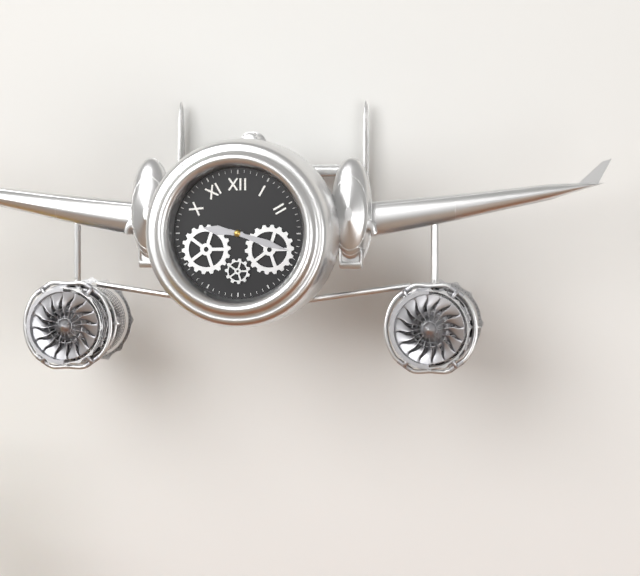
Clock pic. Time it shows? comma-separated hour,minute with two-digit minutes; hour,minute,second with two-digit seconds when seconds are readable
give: 9,18
